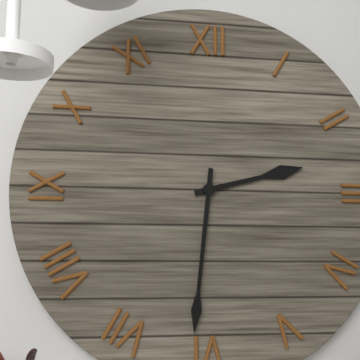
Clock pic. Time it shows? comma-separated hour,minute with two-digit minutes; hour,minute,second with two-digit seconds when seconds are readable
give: 2,31
